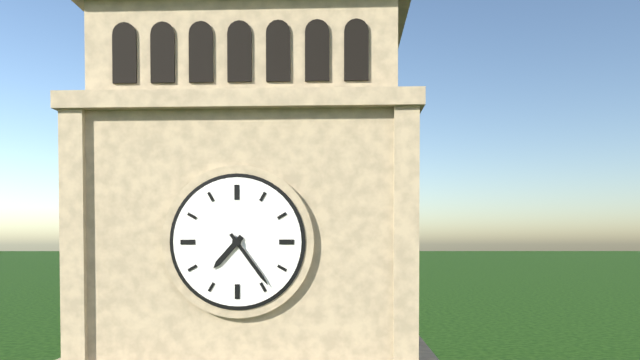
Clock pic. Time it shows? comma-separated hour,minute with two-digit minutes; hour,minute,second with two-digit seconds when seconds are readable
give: 7,24
